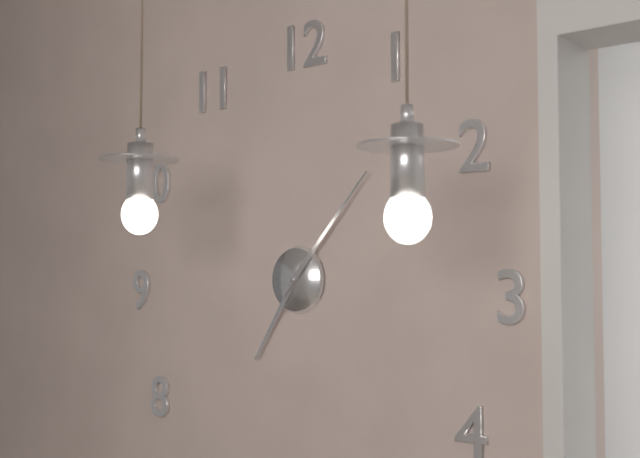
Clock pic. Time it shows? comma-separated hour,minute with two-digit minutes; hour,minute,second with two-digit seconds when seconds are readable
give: 7,07
